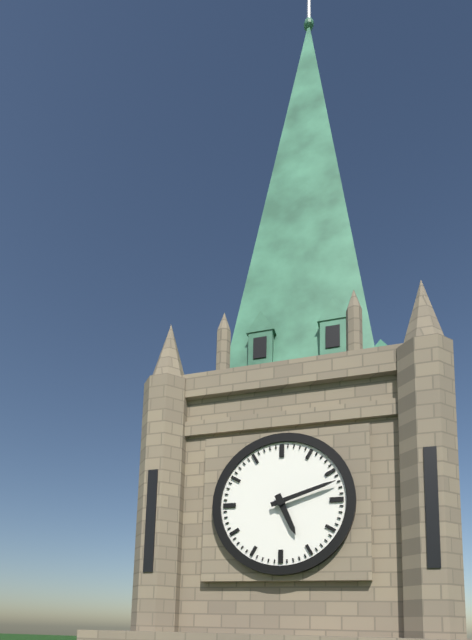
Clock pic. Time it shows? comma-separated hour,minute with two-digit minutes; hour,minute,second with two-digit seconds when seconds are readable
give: 5,12
